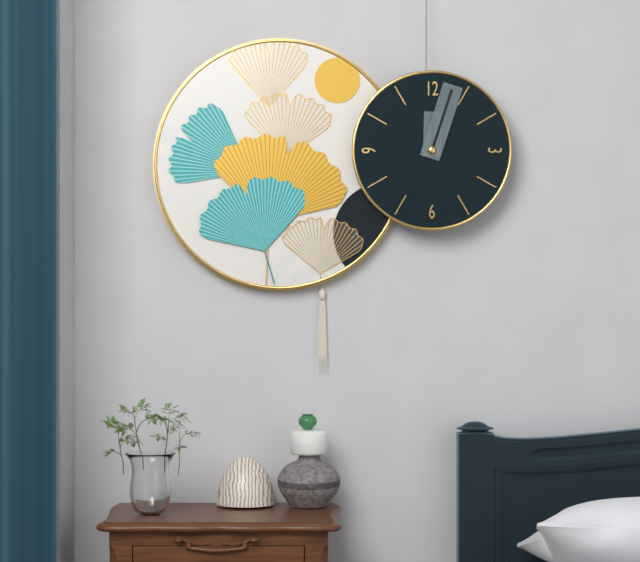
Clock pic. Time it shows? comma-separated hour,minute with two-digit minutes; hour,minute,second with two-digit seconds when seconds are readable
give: 12,03
